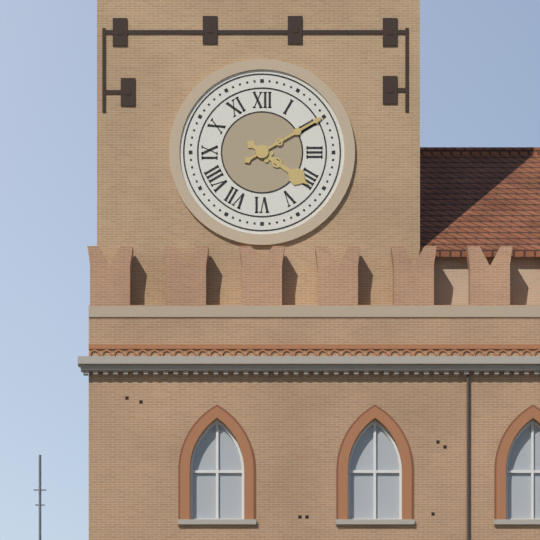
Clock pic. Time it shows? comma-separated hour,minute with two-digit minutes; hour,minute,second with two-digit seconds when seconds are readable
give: 4,10
